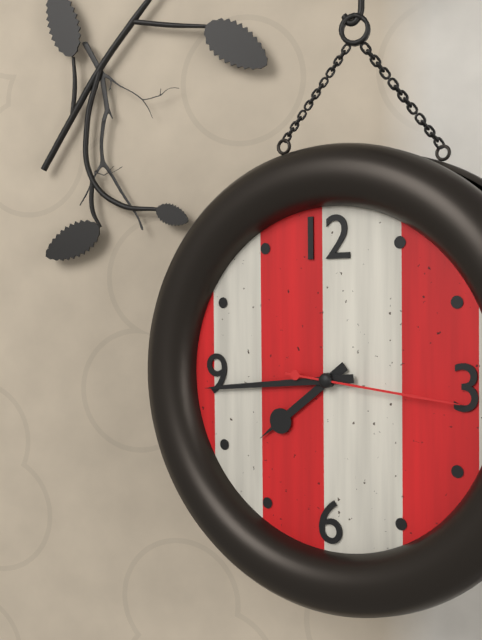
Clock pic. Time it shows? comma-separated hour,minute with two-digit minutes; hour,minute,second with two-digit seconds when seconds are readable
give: 7,44,16
